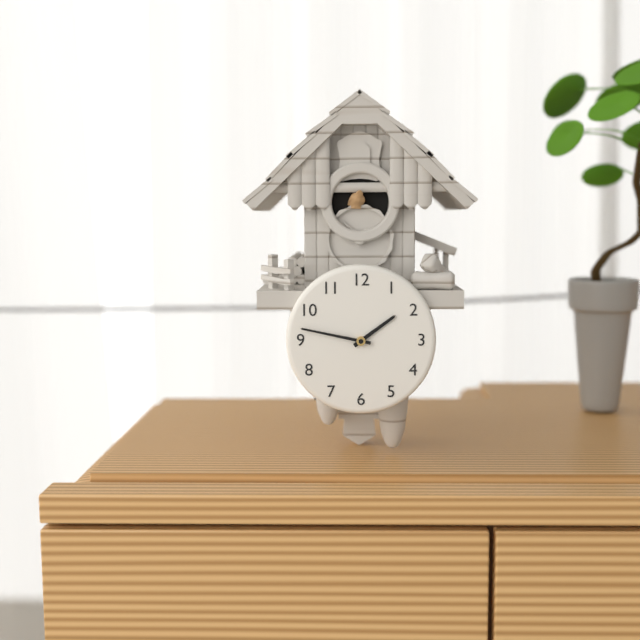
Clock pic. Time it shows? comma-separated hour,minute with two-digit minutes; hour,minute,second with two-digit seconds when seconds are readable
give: 1,47
